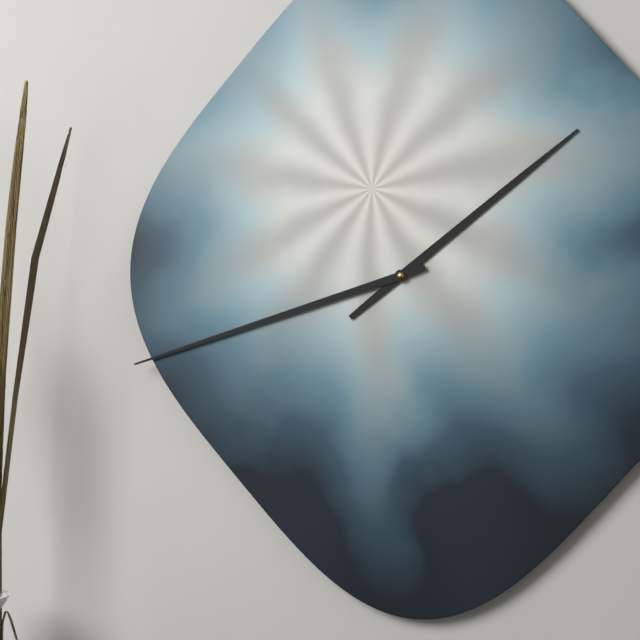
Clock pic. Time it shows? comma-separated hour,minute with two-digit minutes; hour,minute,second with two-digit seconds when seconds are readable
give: 1,42
